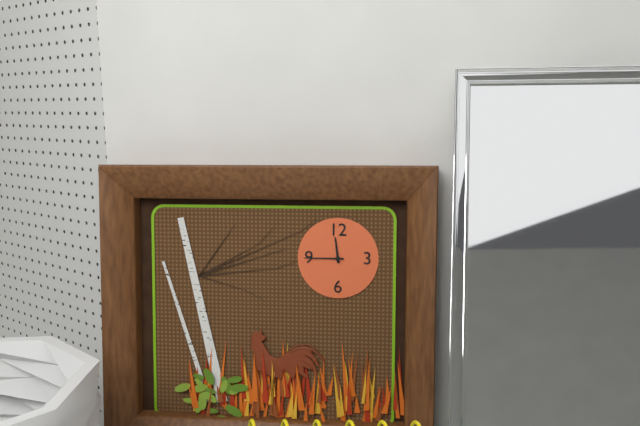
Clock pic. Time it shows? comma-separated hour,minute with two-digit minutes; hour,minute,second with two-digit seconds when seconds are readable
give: 11,45
